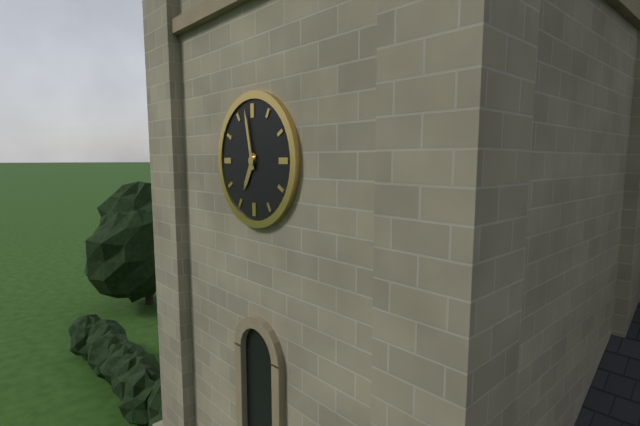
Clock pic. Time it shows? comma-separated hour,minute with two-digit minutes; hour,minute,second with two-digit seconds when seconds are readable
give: 6,58
